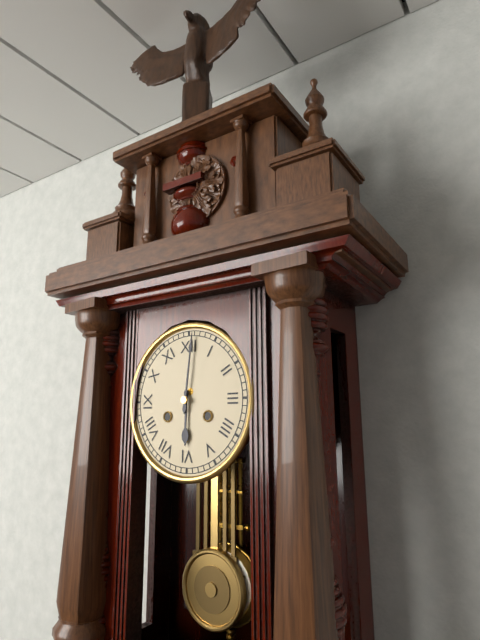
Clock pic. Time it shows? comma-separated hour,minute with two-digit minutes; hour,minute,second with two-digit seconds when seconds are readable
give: 6,01
